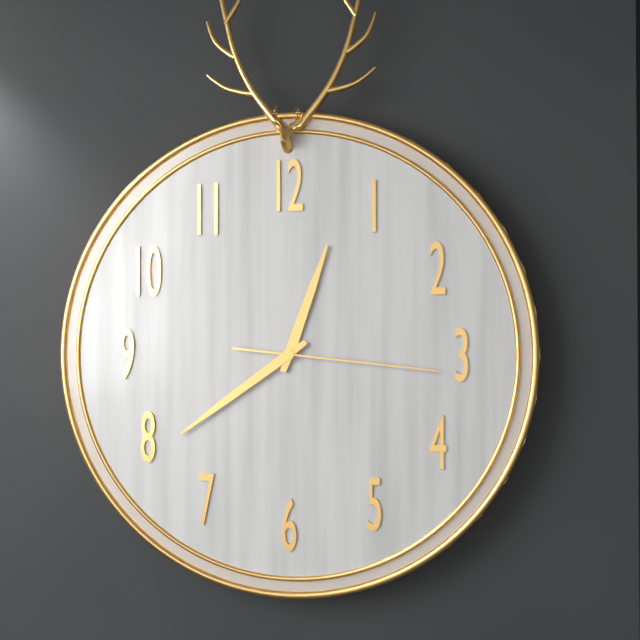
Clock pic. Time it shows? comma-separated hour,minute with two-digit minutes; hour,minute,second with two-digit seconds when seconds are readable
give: 12,39,16
